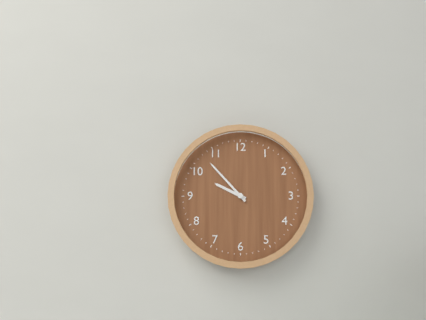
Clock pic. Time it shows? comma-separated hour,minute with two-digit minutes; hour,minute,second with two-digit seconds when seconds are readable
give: 9,53
